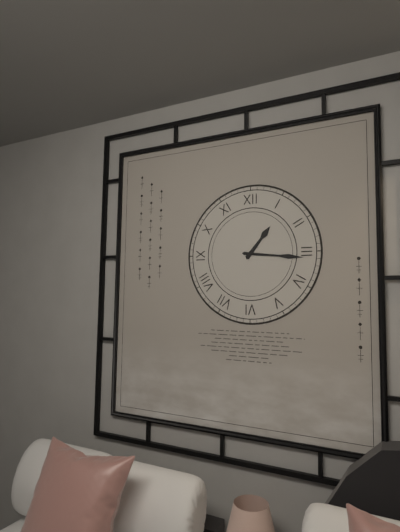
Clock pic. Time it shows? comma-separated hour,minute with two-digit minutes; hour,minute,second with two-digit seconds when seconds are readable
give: 1,16
